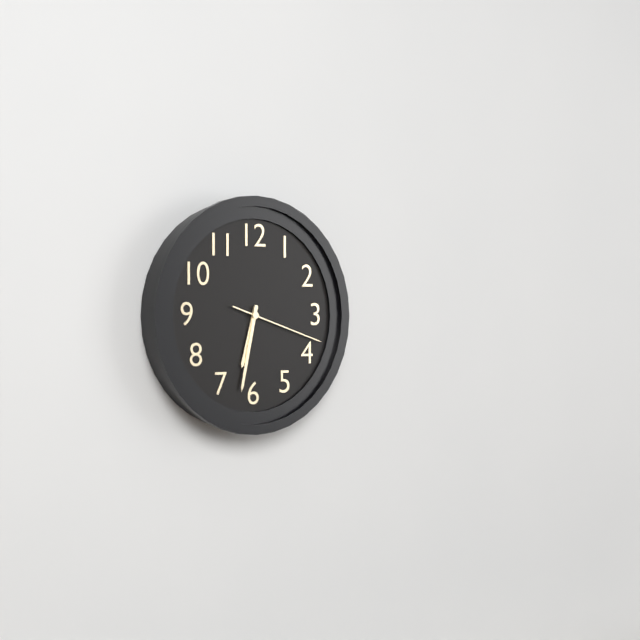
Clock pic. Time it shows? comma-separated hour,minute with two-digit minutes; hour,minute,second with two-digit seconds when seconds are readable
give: 6,32,18
